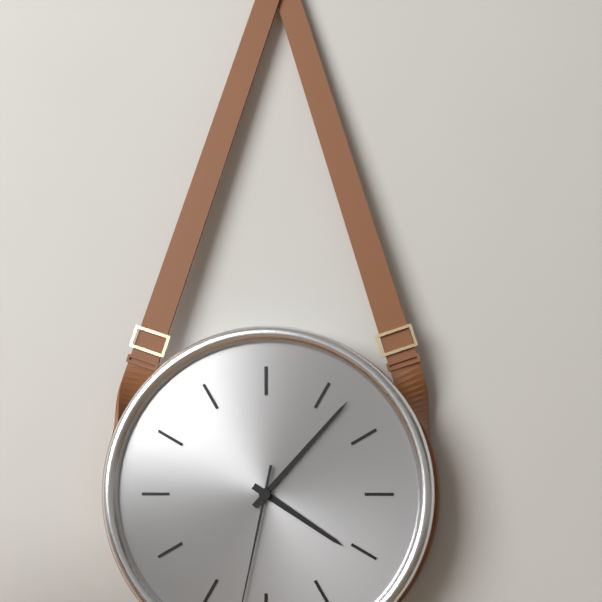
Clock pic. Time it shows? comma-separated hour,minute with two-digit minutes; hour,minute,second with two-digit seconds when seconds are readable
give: 4,07
